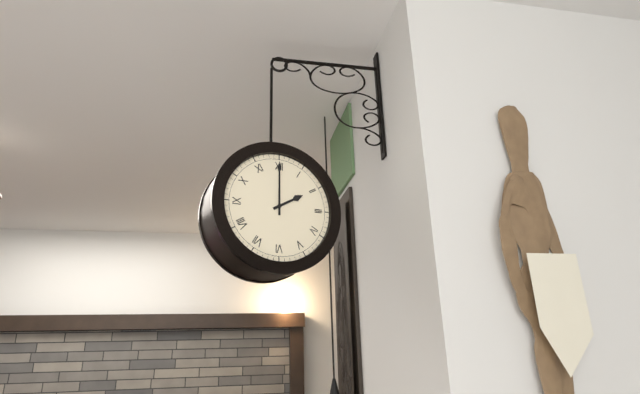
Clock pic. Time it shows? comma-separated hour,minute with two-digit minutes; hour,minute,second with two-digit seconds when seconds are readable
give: 2,00
